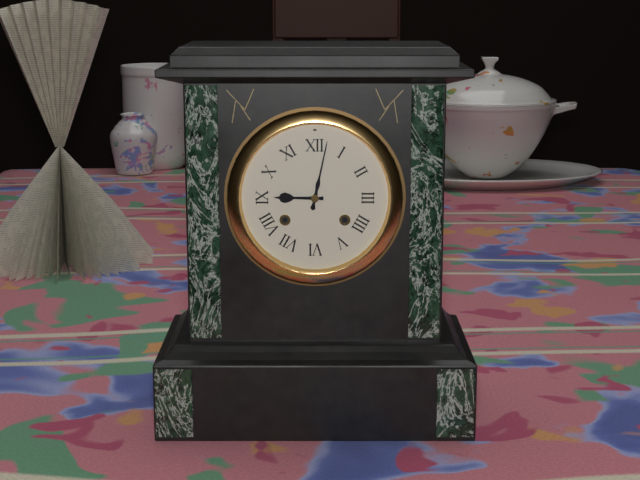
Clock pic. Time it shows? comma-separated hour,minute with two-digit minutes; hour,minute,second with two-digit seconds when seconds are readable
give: 9,02
